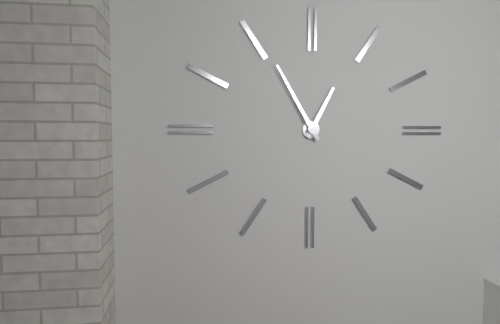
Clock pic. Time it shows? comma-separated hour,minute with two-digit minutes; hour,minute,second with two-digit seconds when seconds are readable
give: 12,55
